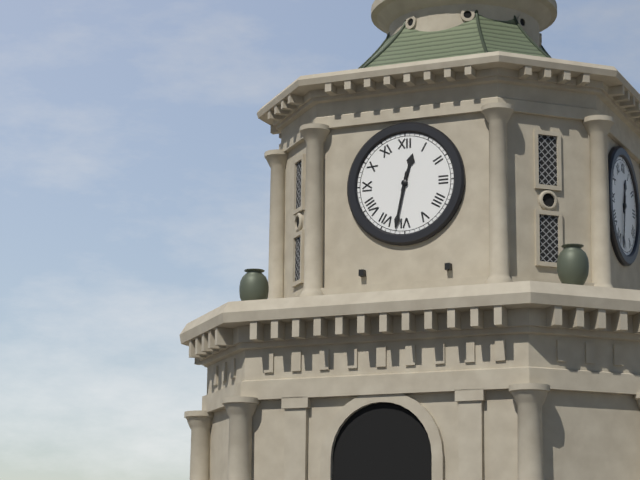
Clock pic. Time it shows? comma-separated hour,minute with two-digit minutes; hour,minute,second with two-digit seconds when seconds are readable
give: 12,32
